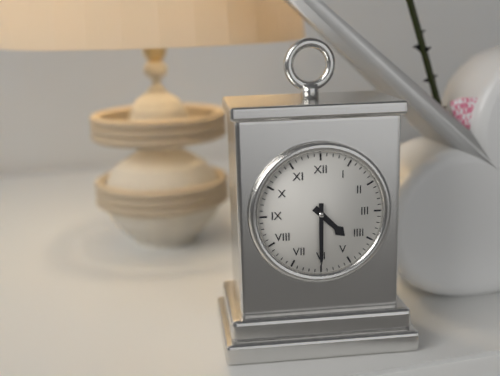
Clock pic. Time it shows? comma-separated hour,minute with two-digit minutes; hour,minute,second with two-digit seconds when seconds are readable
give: 4,30
